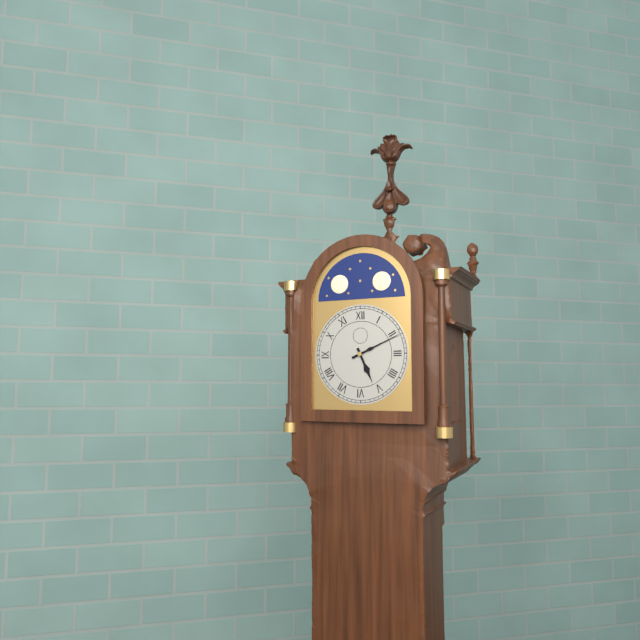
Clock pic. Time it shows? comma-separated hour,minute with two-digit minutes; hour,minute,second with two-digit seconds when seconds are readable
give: 5,11
